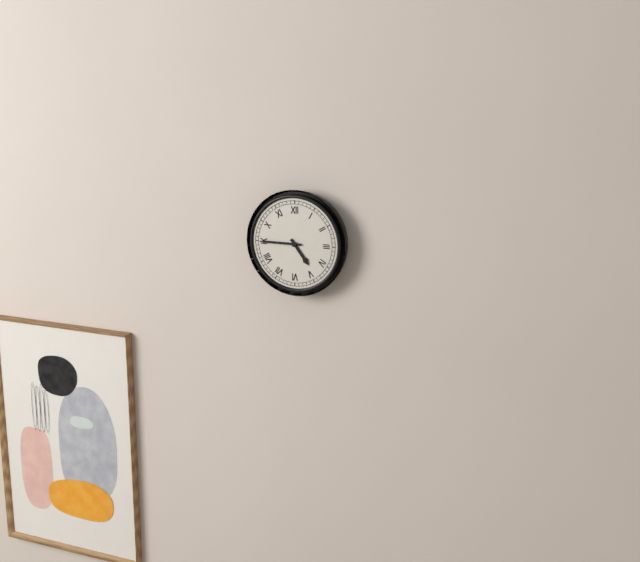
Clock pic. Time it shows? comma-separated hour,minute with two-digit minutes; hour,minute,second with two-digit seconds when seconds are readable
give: 4,45
